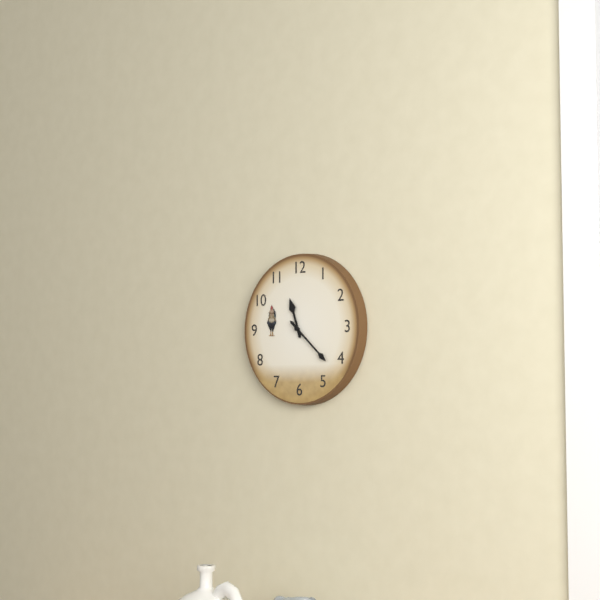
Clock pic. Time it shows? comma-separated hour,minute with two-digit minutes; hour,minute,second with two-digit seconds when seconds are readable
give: 11,22
